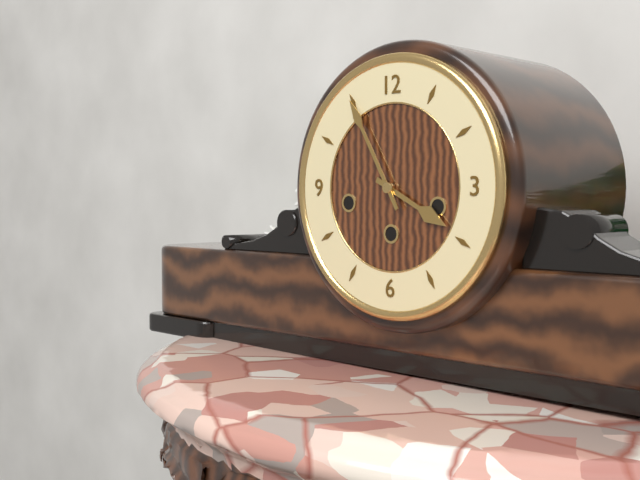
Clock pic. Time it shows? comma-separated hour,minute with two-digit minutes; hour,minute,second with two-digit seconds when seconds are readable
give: 3,55
